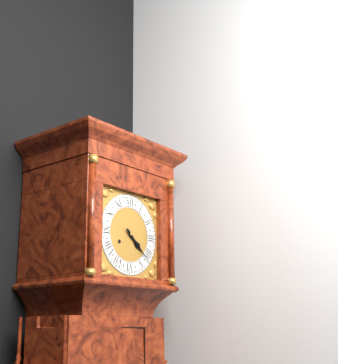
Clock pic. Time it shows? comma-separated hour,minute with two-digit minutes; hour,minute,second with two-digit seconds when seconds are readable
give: 4,22
